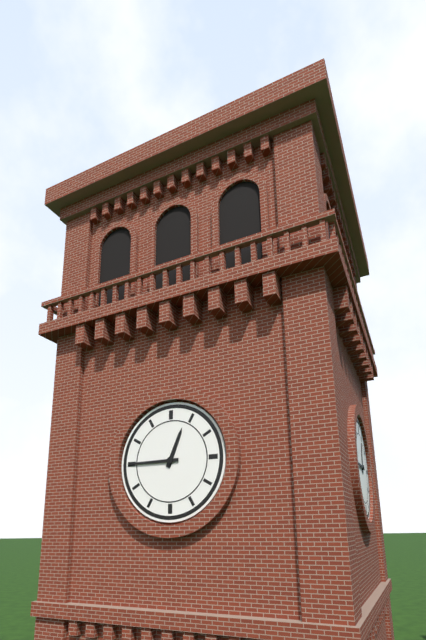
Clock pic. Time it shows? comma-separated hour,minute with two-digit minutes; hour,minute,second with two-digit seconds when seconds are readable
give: 12,45
